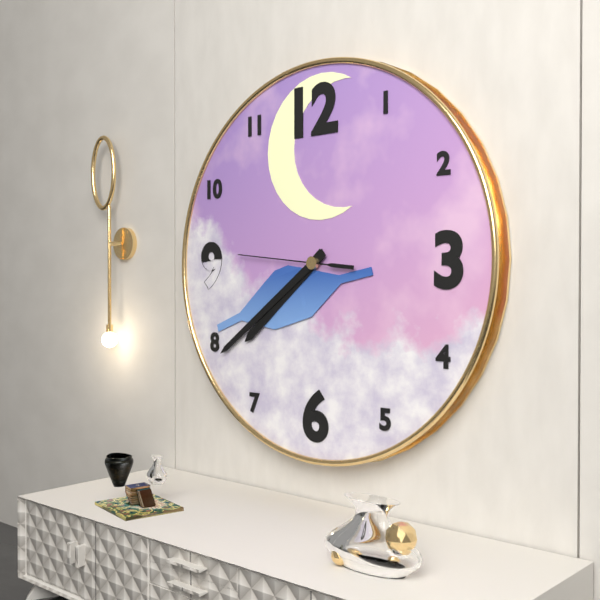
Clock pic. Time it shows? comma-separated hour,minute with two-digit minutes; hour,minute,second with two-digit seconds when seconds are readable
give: 7,39,46
